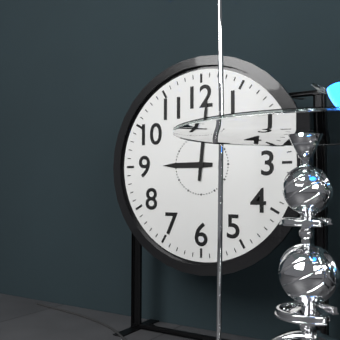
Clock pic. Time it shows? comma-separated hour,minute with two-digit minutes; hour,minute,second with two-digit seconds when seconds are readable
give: 9,01
